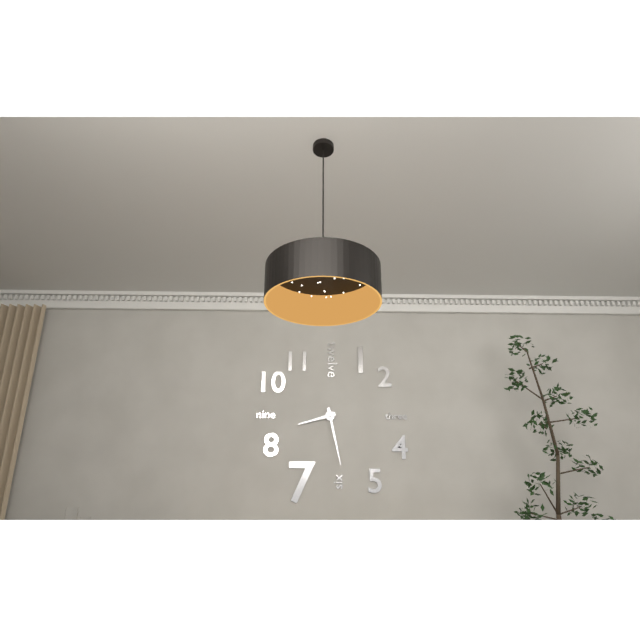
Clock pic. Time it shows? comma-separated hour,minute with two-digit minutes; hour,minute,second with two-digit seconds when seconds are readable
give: 8,28
